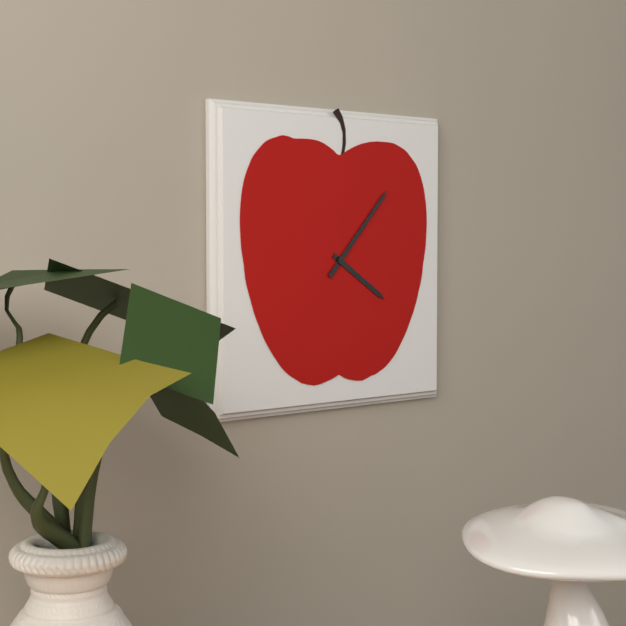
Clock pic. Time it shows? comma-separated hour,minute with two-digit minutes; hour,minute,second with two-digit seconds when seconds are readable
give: 4,07
